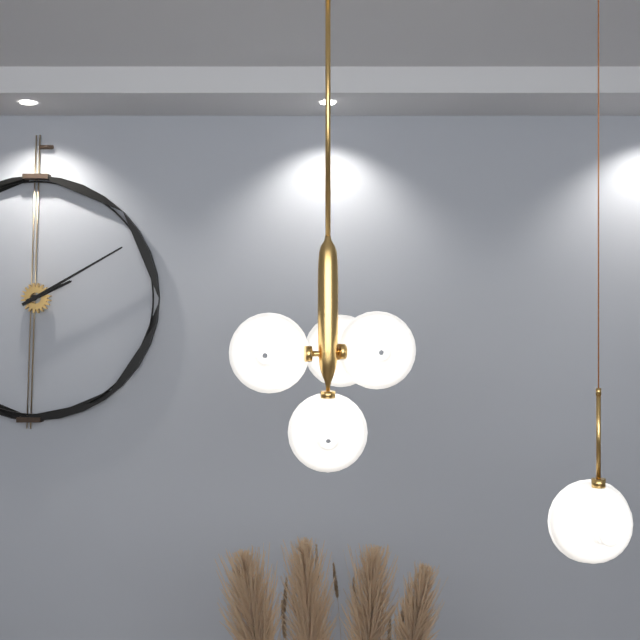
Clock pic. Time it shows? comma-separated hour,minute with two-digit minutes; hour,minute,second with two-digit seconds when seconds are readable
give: 2,10
